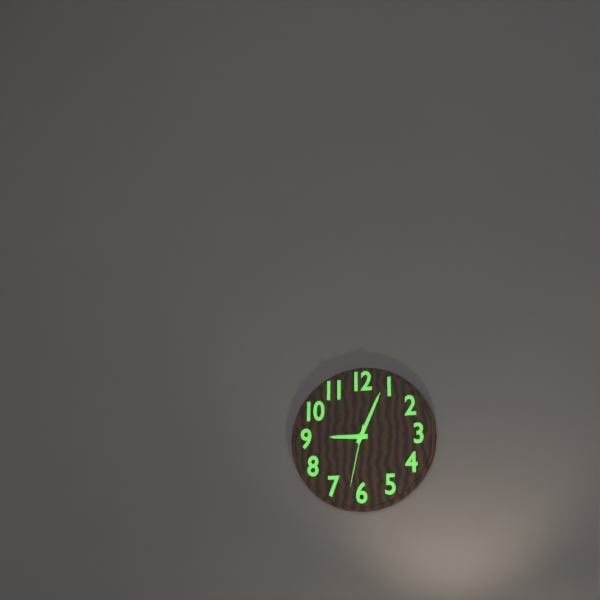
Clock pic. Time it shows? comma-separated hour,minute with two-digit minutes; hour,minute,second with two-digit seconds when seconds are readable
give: 9,04,32
